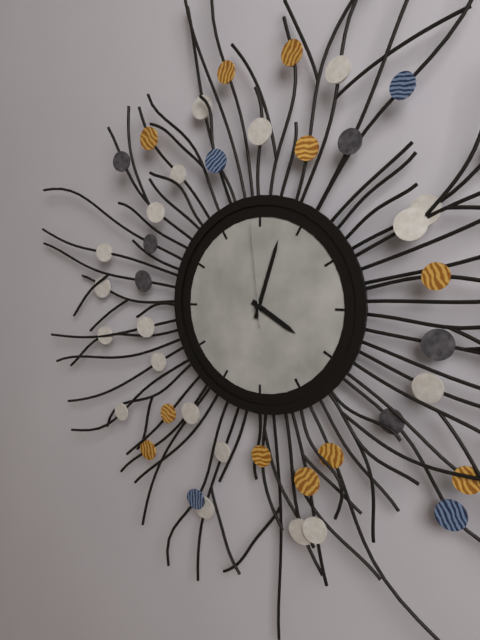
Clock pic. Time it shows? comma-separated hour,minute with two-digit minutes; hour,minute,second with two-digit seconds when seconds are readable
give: 4,03,59
